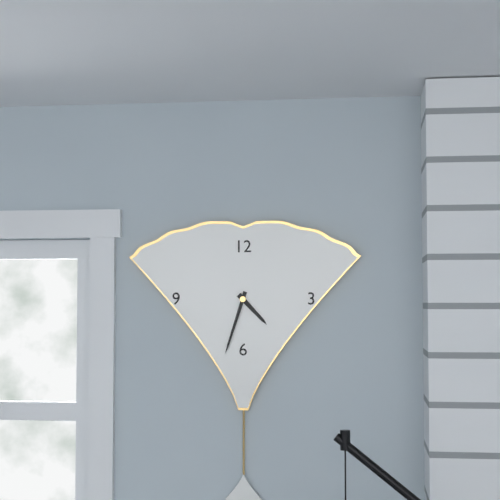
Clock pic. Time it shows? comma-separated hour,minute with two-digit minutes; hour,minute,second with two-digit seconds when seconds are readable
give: 4,33
